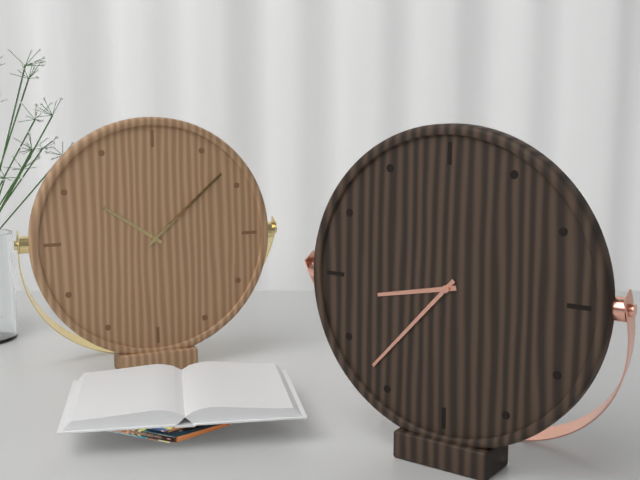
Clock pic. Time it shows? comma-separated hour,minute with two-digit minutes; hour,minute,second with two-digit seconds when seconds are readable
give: 8,37
